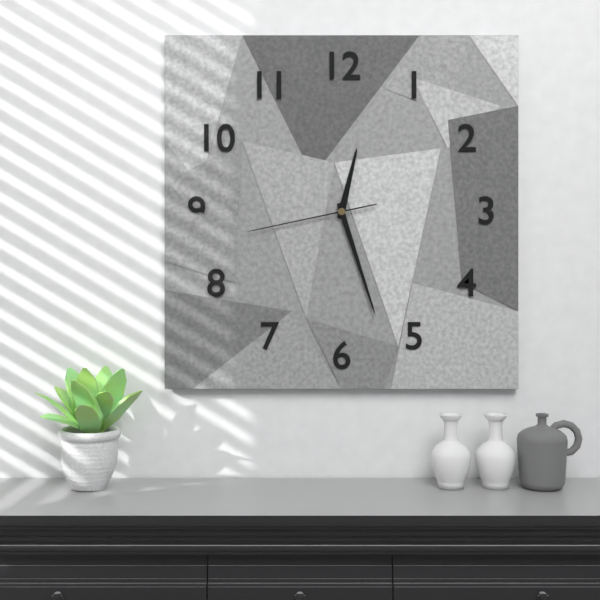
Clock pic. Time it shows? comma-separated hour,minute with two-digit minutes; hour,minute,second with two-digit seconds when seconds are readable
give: 12,27,43
